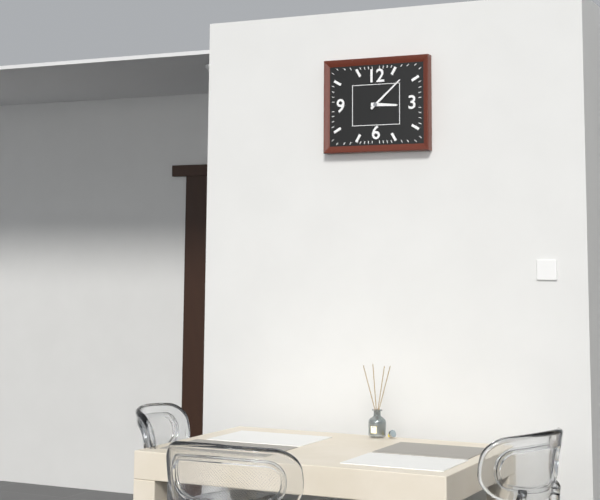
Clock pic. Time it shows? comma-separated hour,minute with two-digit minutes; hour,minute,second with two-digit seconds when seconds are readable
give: 3,08
